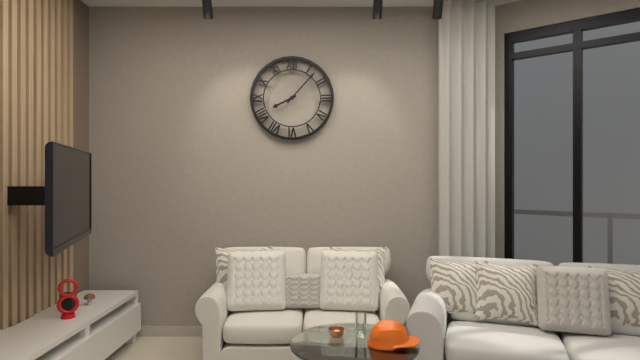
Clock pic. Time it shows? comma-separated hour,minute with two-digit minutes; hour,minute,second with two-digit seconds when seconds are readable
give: 8,07
